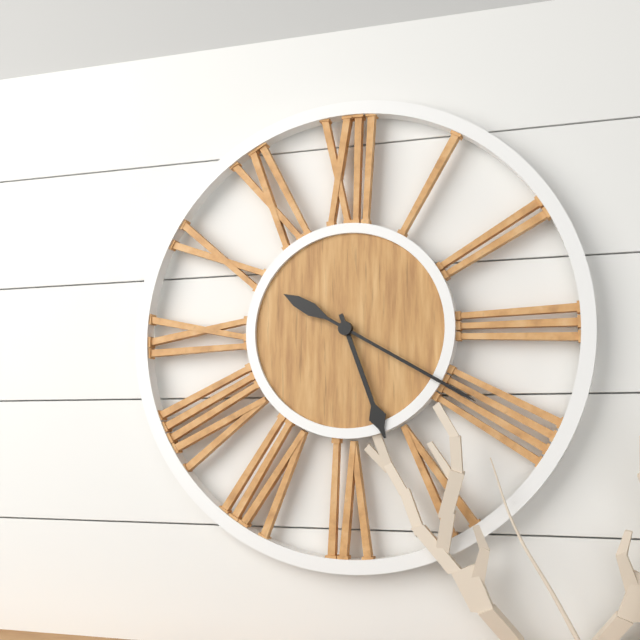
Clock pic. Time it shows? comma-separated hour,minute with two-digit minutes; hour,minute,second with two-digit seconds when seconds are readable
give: 5,20
